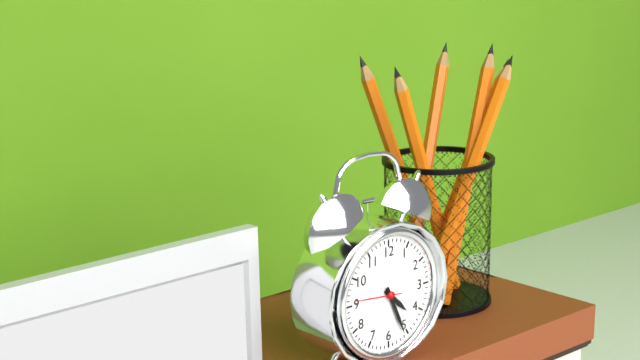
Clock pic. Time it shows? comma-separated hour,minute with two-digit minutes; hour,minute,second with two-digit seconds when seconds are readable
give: 4,26
